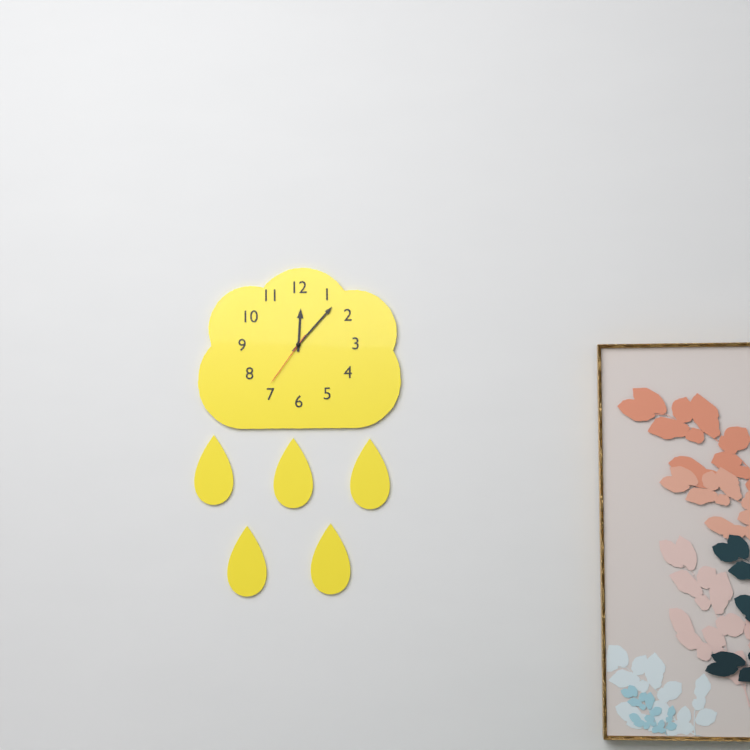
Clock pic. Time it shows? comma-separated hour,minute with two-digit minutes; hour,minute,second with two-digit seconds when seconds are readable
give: 12,07,36
